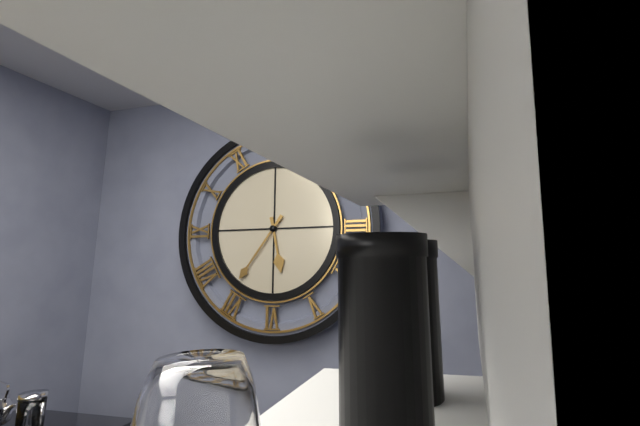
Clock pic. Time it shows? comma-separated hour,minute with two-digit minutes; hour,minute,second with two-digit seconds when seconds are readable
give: 5,36
